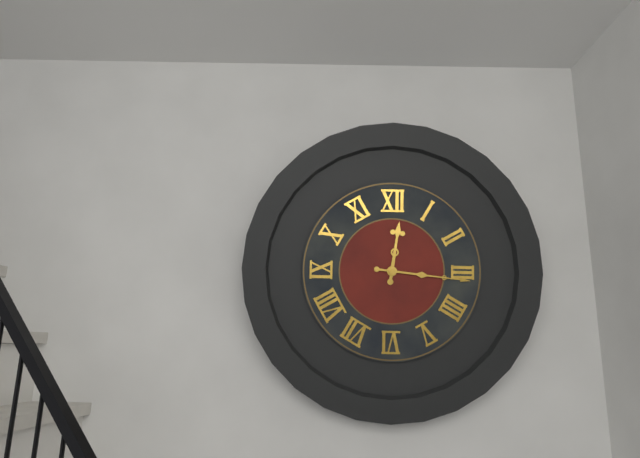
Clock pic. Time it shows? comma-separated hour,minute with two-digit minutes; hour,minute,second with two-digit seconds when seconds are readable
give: 12,16
